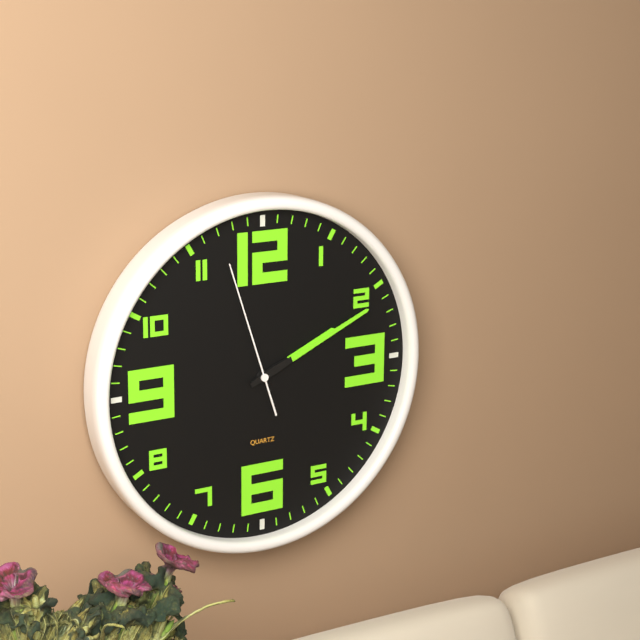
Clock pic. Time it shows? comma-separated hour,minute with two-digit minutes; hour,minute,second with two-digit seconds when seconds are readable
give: 2,11,57
